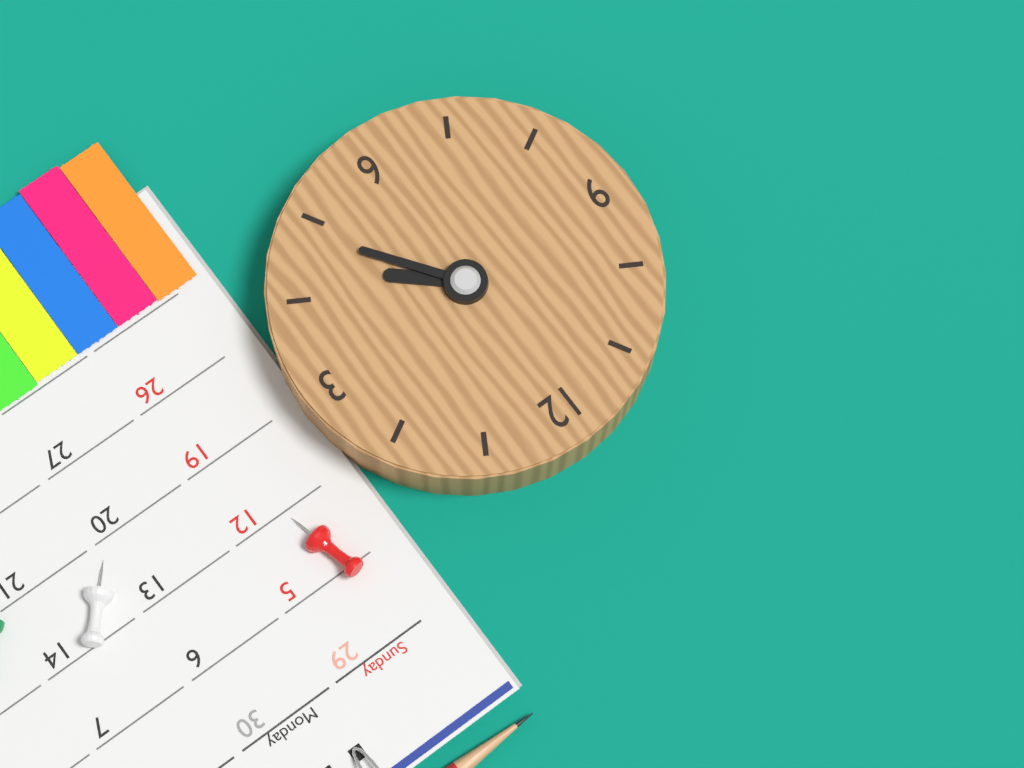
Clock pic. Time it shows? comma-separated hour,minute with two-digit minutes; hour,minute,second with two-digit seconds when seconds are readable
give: 4,24
